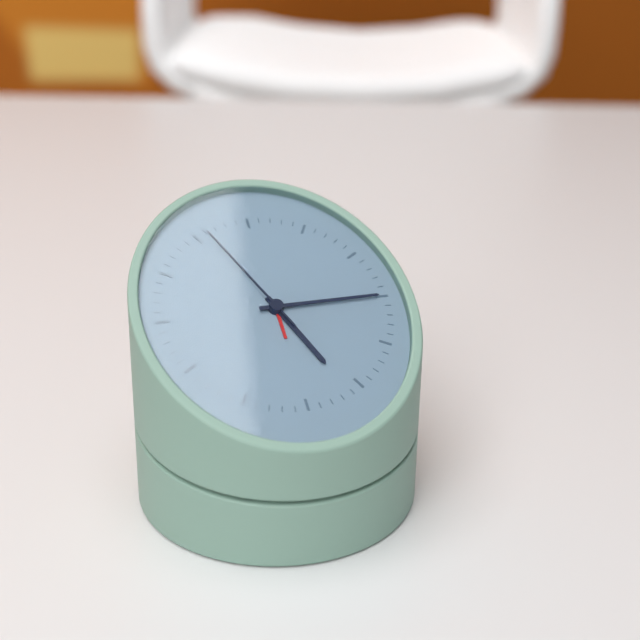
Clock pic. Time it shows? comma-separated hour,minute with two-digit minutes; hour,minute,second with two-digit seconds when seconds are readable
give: 5,15,56
